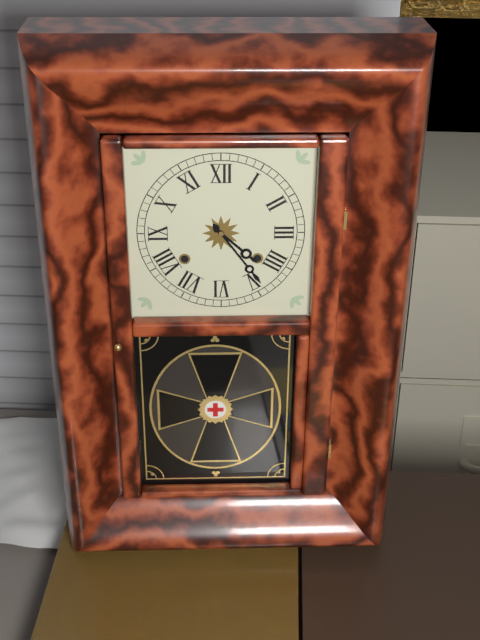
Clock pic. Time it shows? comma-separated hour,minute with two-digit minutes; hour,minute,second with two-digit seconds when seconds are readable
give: 4,24
